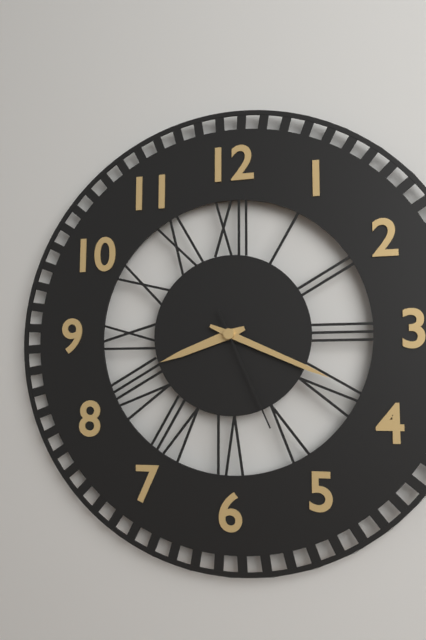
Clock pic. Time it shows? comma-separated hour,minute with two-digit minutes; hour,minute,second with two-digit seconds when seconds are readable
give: 8,19,26
